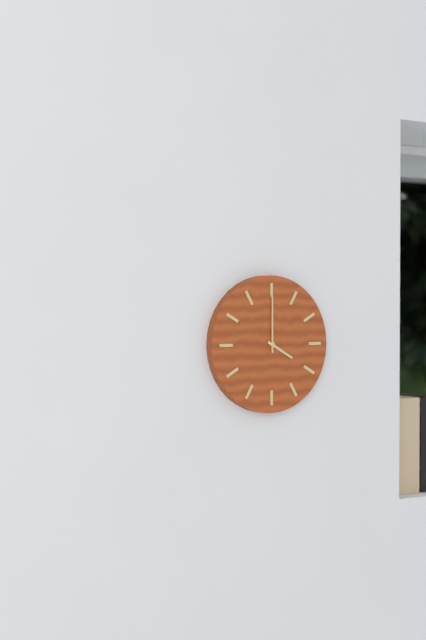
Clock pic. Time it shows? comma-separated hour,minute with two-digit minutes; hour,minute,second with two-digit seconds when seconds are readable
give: 4,00
